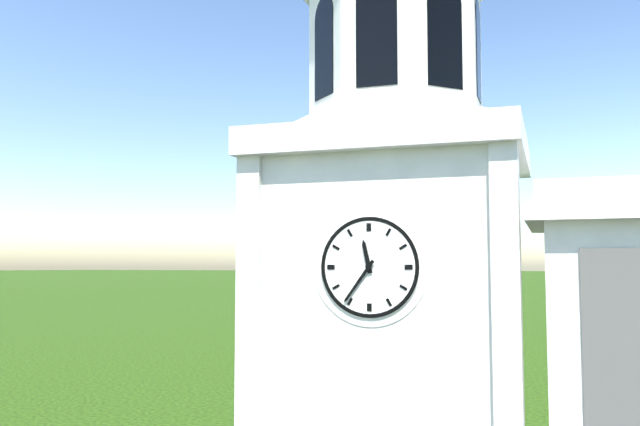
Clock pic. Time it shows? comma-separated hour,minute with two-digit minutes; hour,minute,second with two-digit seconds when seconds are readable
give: 11,36
